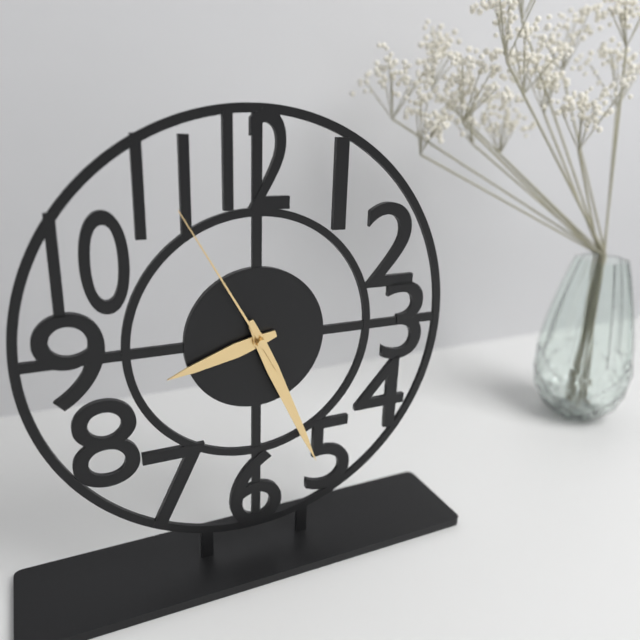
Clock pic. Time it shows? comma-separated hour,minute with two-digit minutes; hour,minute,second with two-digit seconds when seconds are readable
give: 8,26,55
